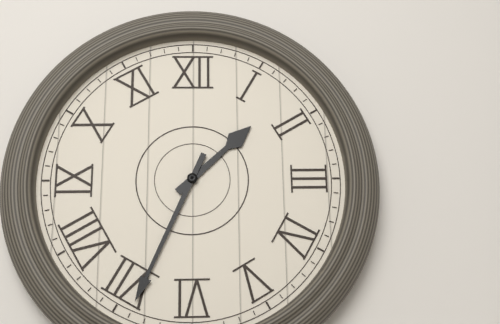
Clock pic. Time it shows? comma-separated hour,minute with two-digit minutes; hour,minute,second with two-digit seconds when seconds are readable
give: 1,34
